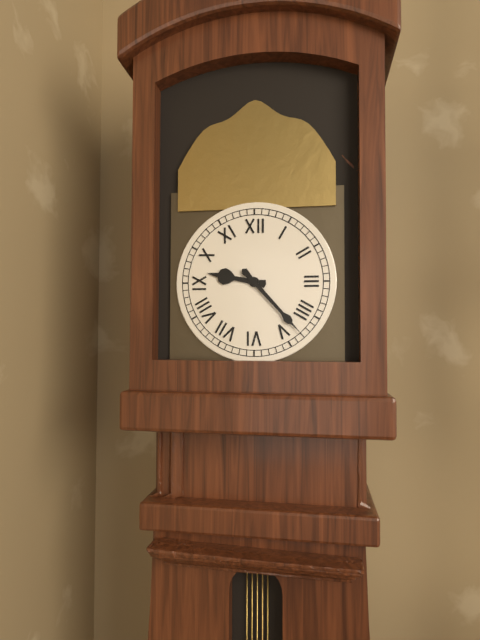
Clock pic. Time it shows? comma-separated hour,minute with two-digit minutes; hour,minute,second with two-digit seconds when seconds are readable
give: 9,23
